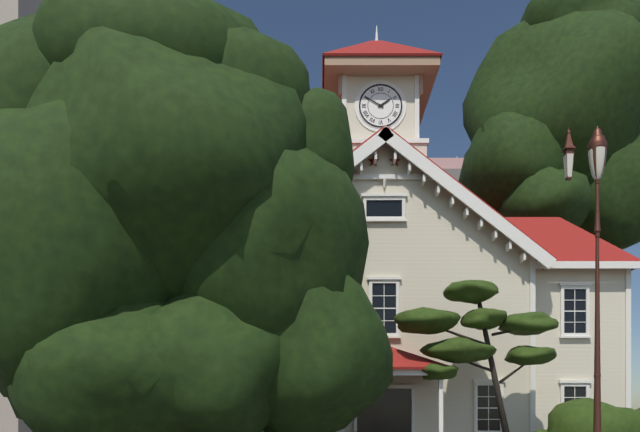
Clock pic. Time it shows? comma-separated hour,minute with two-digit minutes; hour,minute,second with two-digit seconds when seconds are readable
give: 1,50
